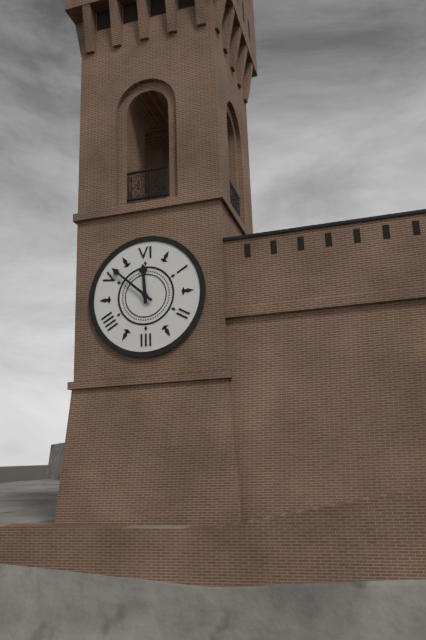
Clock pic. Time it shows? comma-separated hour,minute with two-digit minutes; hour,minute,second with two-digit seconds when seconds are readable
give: 11,52
